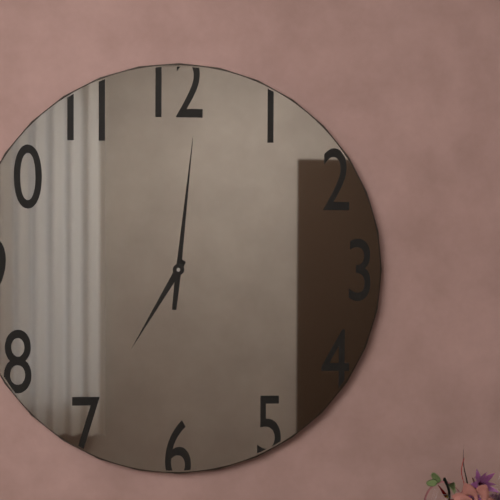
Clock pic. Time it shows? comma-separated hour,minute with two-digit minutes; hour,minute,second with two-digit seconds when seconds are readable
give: 7,01
